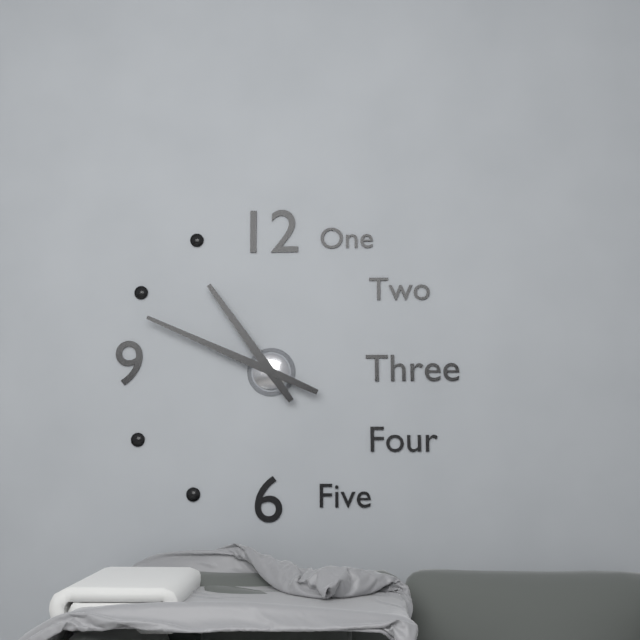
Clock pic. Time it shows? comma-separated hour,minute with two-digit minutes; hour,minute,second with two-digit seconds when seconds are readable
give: 10,49
